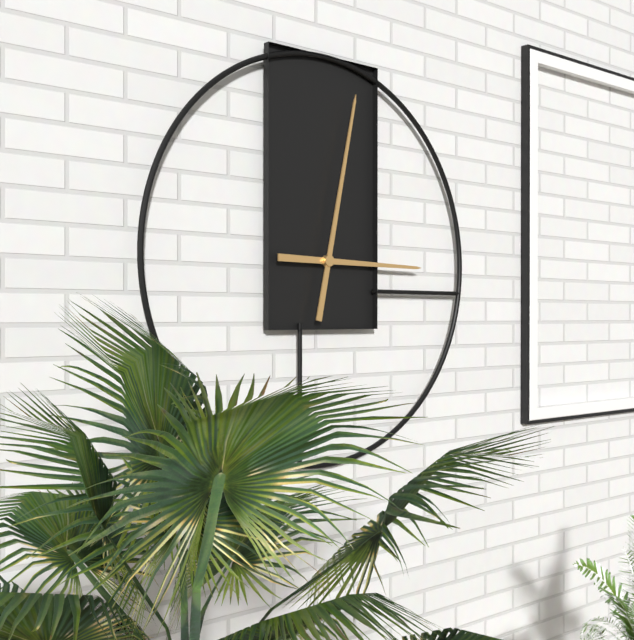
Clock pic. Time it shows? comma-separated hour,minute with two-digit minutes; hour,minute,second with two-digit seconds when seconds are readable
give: 3,02
